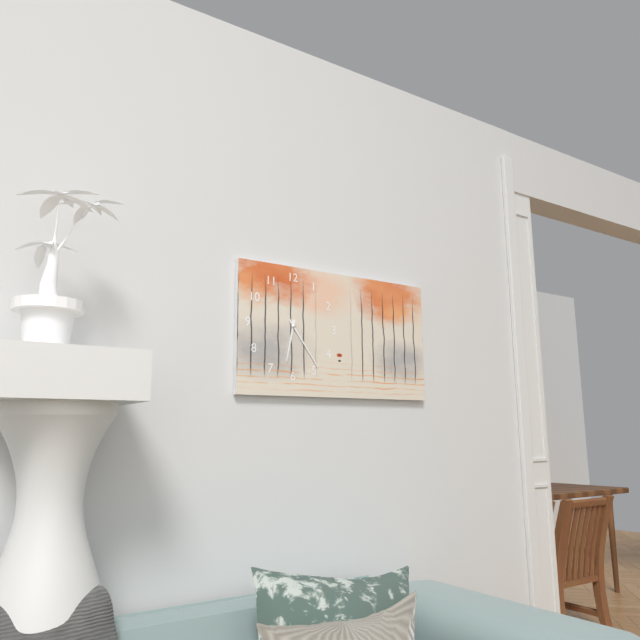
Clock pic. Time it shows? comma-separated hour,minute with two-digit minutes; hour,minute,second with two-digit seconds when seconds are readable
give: 6,24
